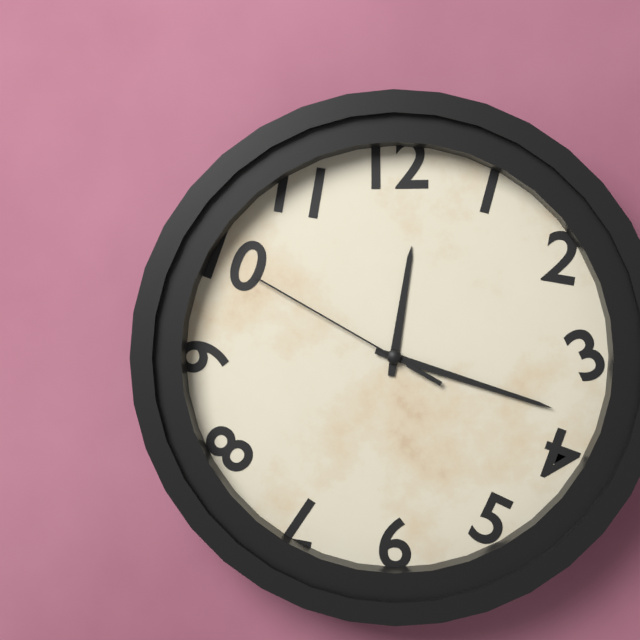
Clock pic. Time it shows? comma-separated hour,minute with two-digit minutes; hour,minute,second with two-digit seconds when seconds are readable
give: 12,18,50
